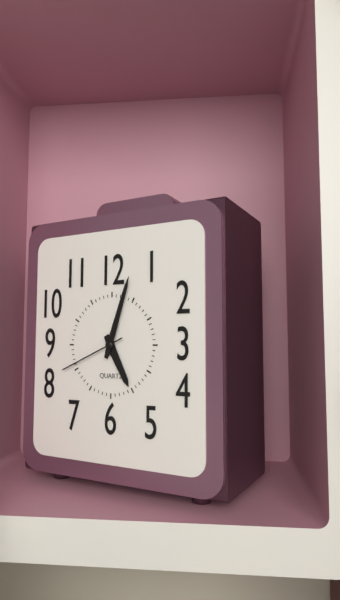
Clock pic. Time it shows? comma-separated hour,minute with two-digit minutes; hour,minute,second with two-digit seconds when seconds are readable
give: 5,03,41
